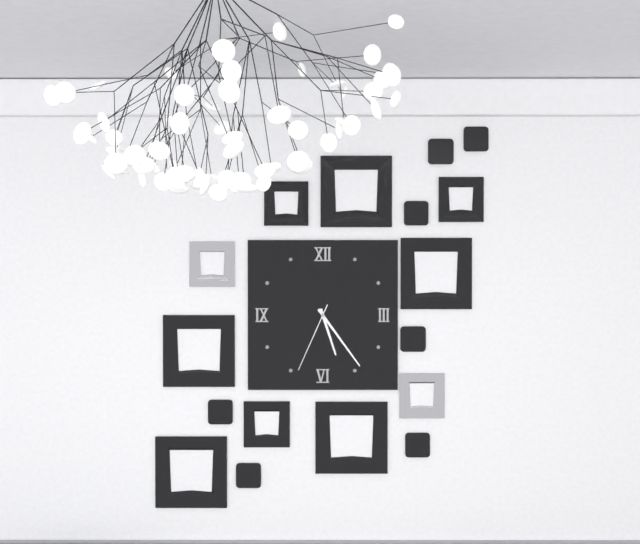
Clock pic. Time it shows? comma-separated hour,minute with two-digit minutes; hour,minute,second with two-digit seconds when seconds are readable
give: 5,24,34
